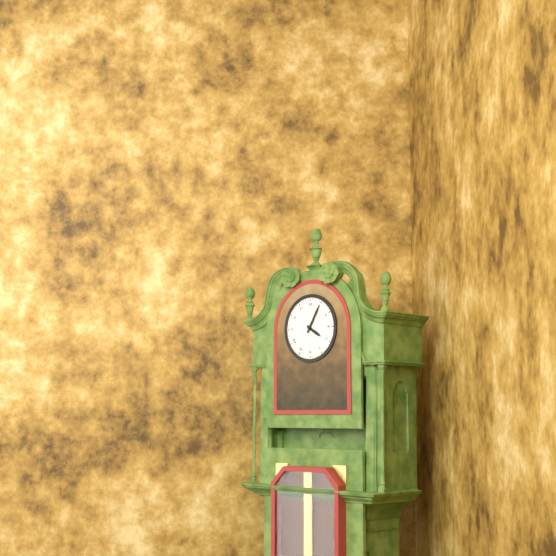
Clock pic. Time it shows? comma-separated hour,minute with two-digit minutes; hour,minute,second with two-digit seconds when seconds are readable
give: 4,05
